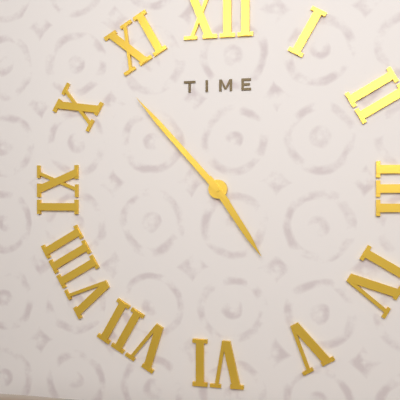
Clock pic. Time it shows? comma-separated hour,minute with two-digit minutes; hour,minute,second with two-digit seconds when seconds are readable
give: 4,53
